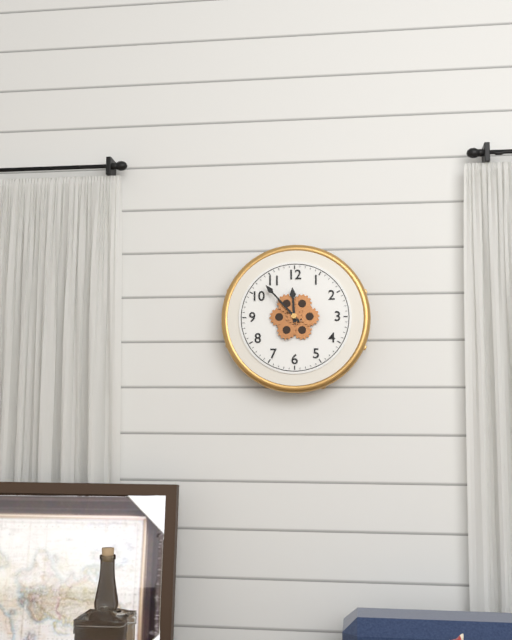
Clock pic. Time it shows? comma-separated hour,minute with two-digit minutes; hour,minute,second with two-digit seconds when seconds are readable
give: 11,53
